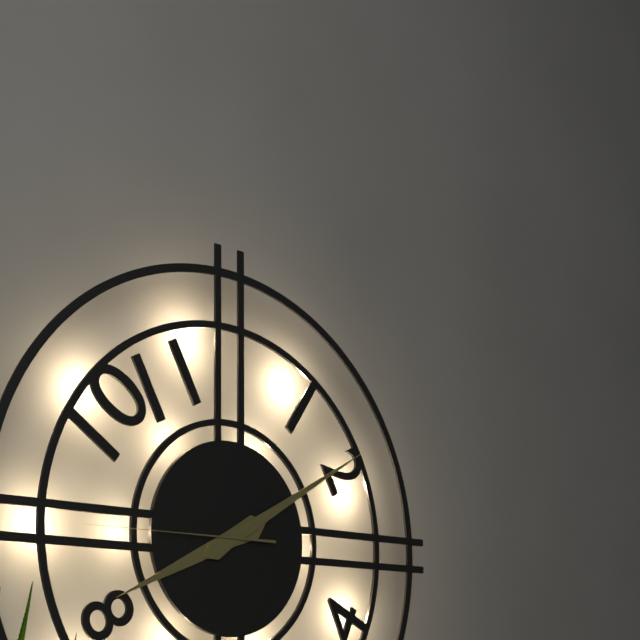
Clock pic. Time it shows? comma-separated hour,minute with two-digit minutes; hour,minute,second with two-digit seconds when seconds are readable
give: 8,10,45
